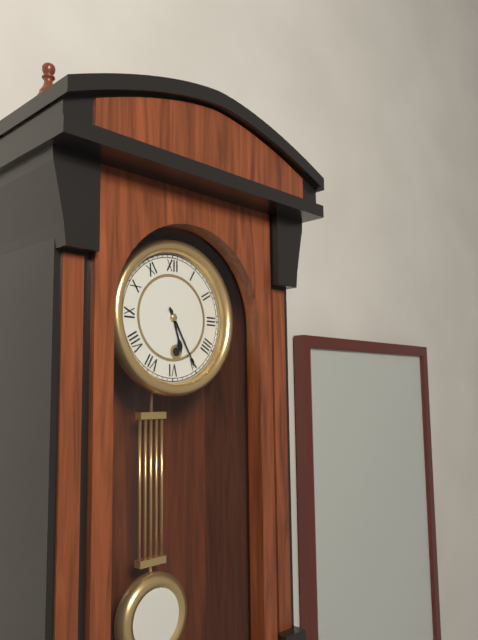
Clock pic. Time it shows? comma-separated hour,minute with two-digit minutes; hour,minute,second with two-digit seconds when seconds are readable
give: 5,25
